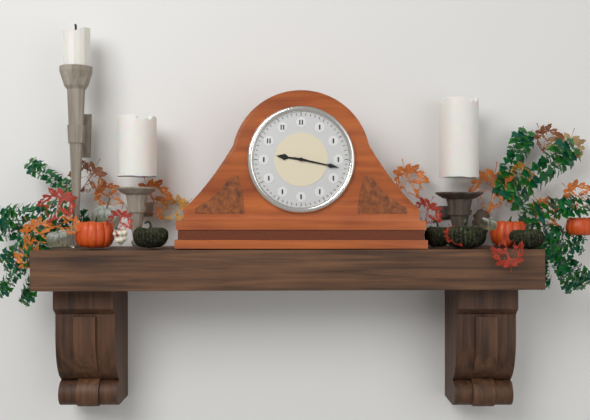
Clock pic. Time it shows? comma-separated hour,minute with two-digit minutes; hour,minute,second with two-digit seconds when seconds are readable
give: 9,17
